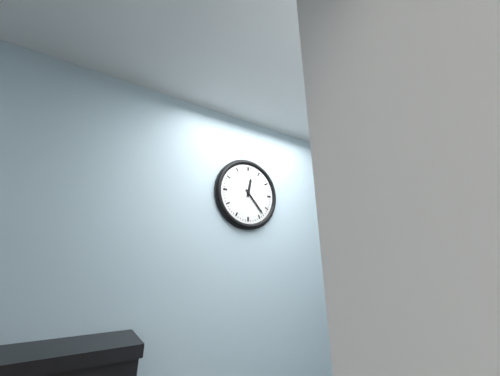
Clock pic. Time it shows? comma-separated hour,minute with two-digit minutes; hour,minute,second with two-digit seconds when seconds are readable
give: 12,23
